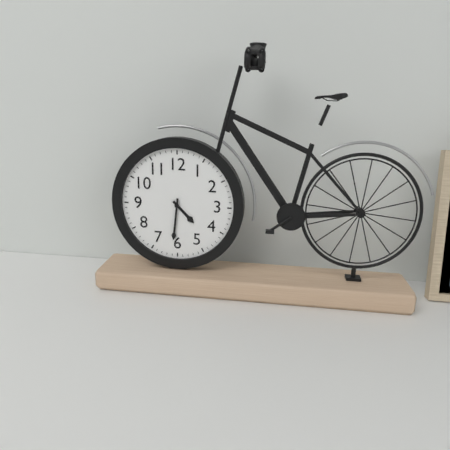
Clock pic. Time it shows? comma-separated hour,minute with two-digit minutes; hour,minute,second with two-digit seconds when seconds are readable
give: 4,31
